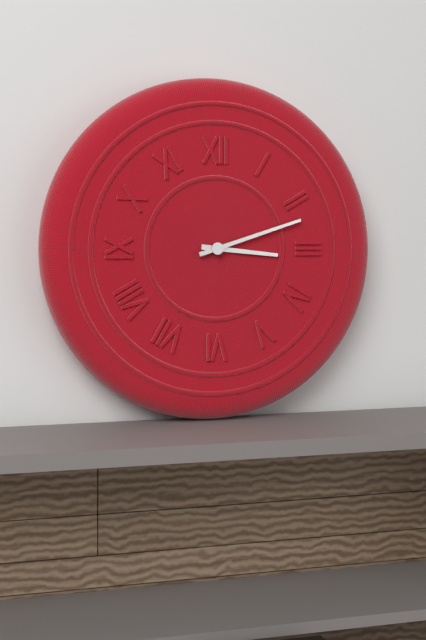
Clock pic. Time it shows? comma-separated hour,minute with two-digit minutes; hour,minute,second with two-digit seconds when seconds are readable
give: 3,12
